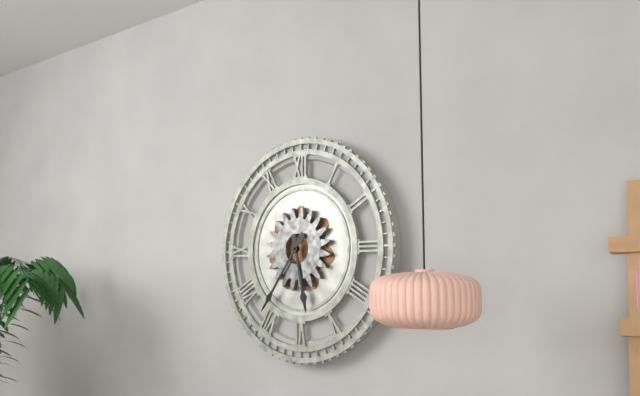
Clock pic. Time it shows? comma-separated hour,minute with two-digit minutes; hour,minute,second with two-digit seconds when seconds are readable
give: 5,36
